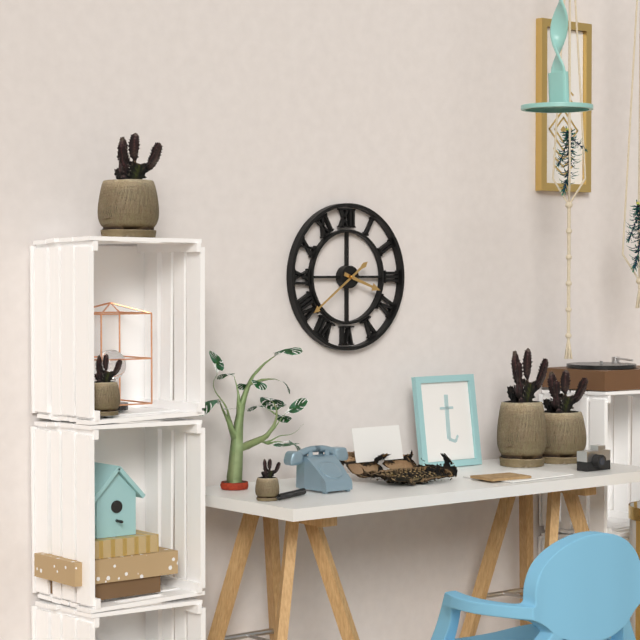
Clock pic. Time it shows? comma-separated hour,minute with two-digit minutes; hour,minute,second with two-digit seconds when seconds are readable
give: 3,39
